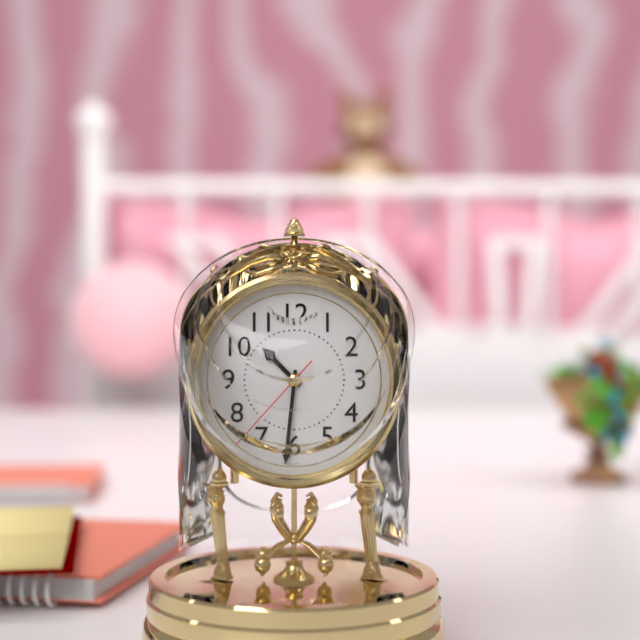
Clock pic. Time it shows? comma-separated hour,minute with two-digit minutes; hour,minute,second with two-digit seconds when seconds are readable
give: 10,31,37
